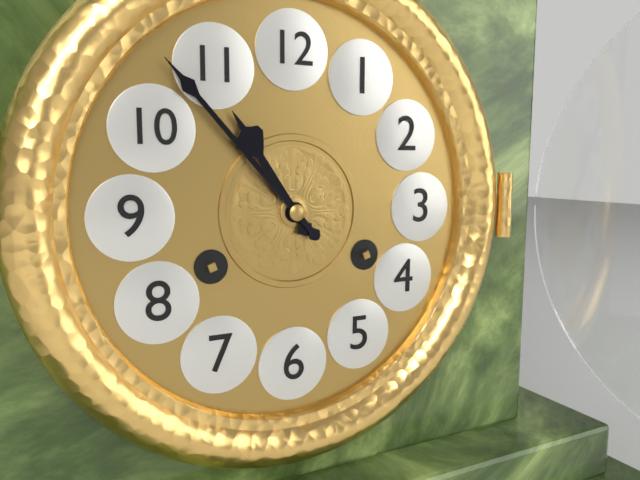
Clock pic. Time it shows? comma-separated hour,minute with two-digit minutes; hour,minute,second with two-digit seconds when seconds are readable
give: 10,53
